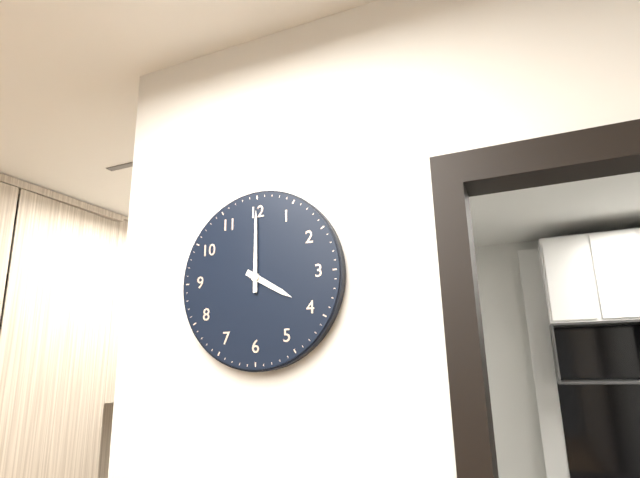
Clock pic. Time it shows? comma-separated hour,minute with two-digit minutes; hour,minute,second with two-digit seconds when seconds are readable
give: 4,00
